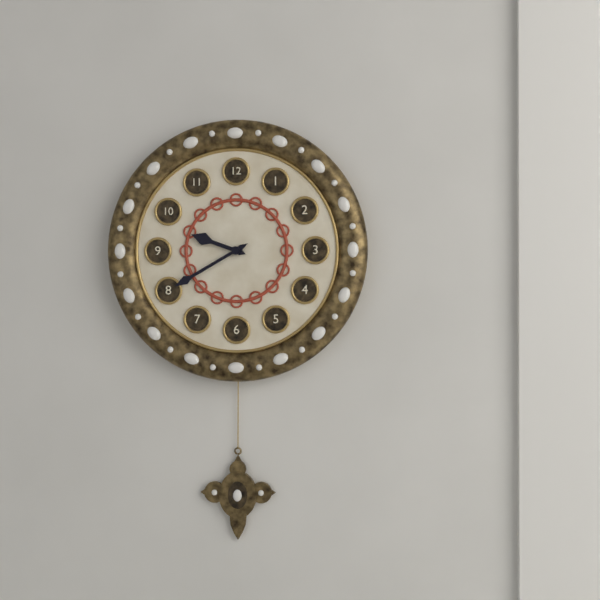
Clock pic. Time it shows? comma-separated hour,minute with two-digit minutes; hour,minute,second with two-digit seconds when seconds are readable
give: 9,40
